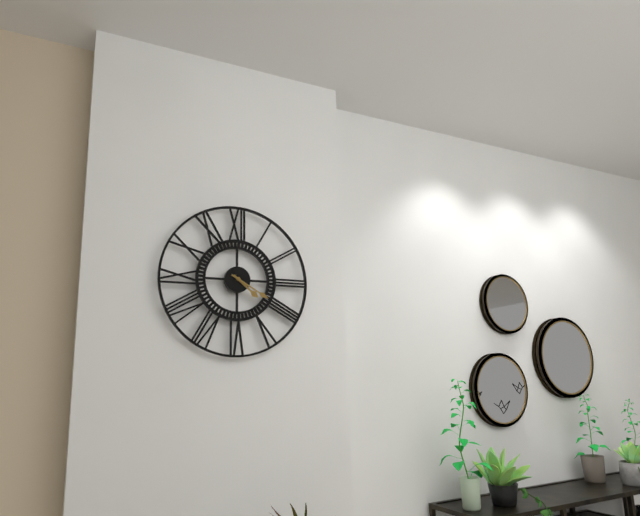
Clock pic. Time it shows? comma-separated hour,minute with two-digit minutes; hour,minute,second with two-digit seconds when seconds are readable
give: 4,20
